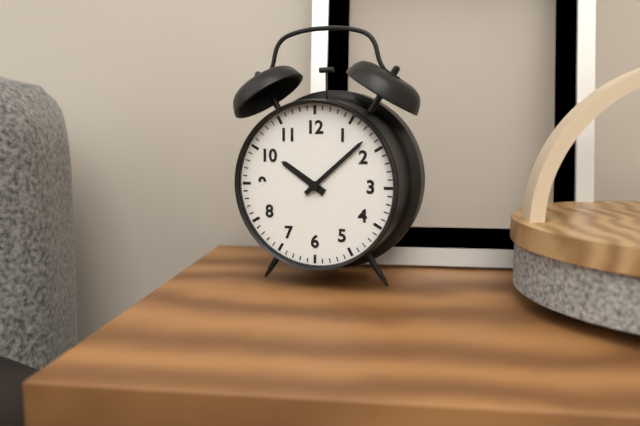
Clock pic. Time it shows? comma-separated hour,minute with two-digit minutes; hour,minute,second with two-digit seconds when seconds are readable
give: 10,08
